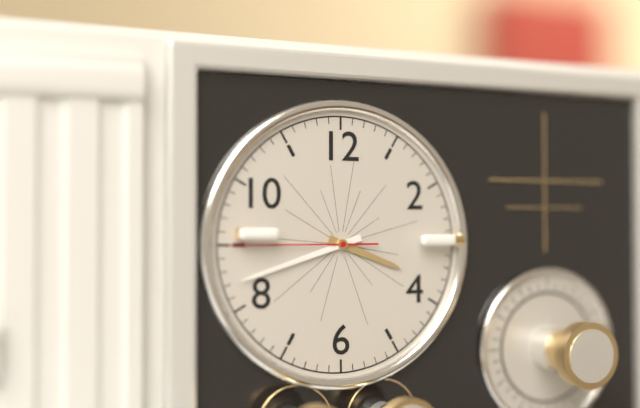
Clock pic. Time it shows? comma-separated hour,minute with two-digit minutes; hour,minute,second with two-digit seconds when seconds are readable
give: 3,42,45
